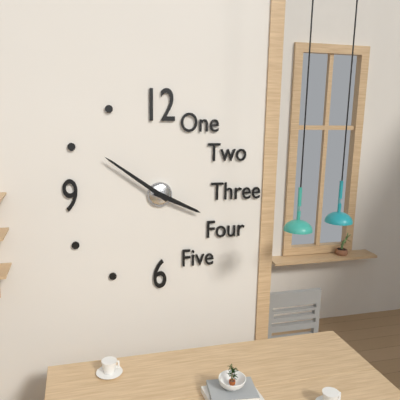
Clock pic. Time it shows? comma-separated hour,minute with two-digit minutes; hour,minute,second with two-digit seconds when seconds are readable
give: 3,51
